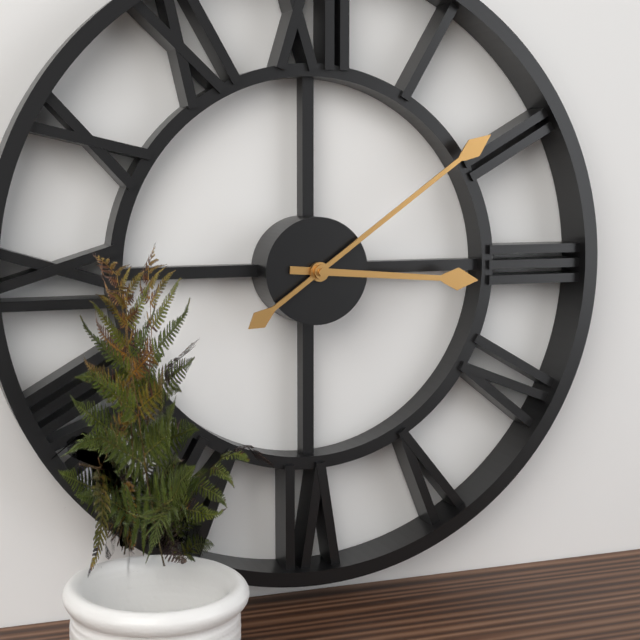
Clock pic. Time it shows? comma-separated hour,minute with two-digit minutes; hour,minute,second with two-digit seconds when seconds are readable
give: 3,09
